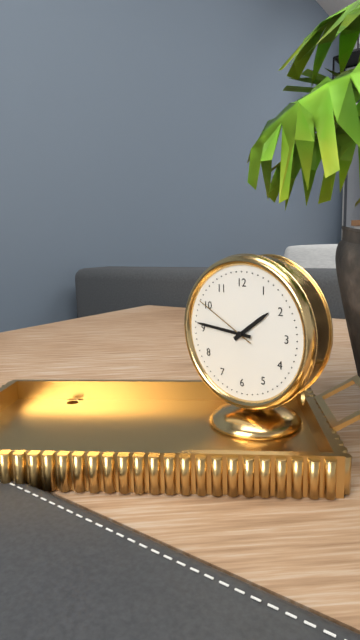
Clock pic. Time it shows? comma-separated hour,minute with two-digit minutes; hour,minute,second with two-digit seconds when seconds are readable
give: 1,46,50
